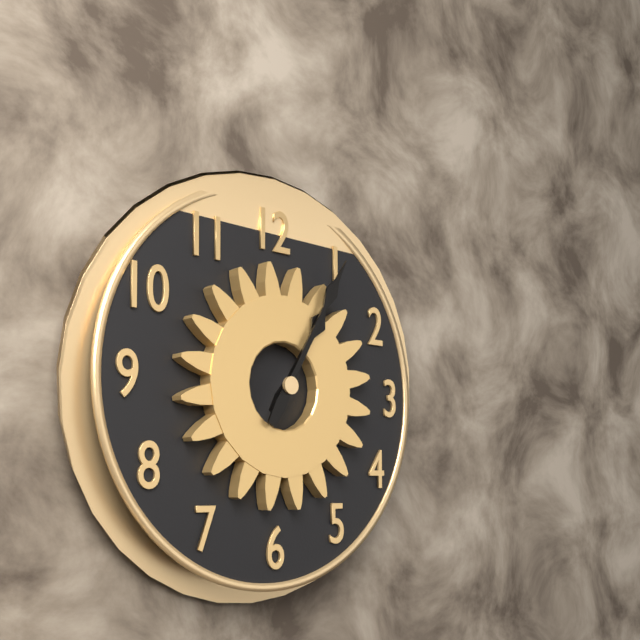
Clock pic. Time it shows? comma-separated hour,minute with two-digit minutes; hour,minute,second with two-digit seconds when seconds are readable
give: 1,05
